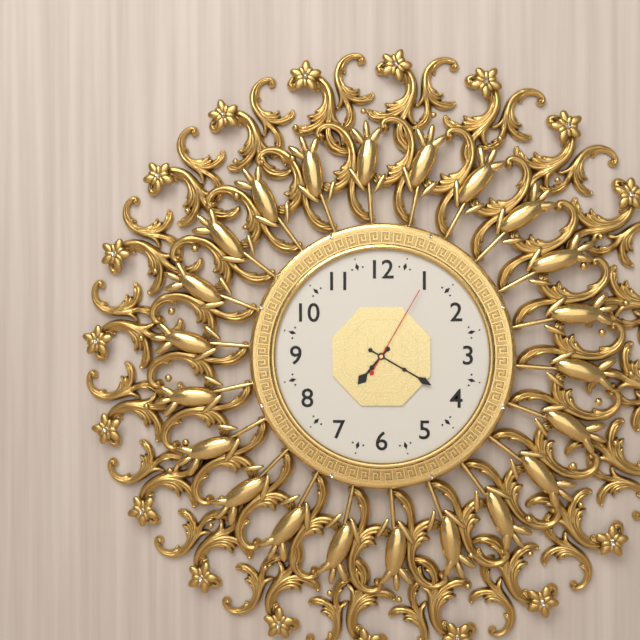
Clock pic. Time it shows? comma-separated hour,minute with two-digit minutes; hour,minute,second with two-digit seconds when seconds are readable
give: 7,20,05
